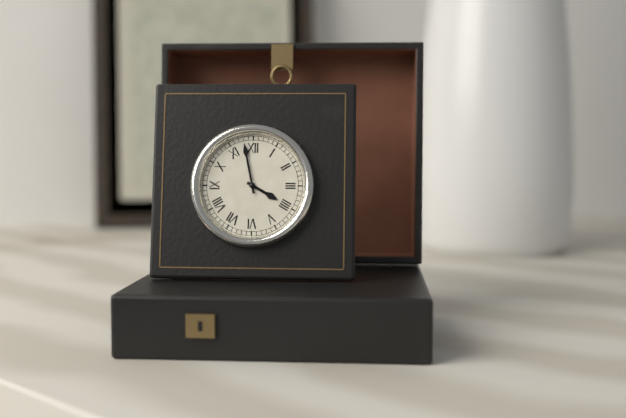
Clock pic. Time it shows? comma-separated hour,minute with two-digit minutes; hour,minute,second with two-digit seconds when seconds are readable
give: 3,58
